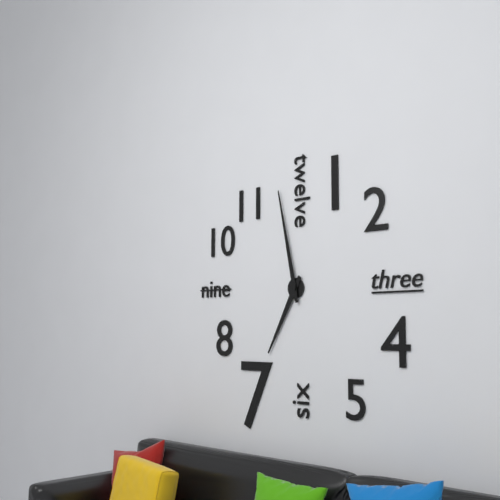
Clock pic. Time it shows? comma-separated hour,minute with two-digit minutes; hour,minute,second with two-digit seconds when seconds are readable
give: 6,58
